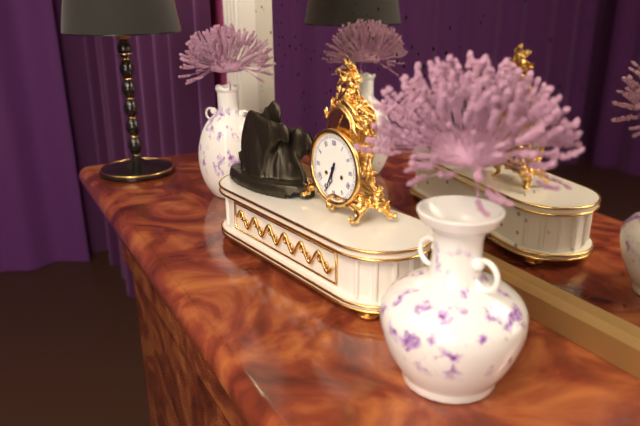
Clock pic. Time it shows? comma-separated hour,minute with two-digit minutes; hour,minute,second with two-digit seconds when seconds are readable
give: 6,34
